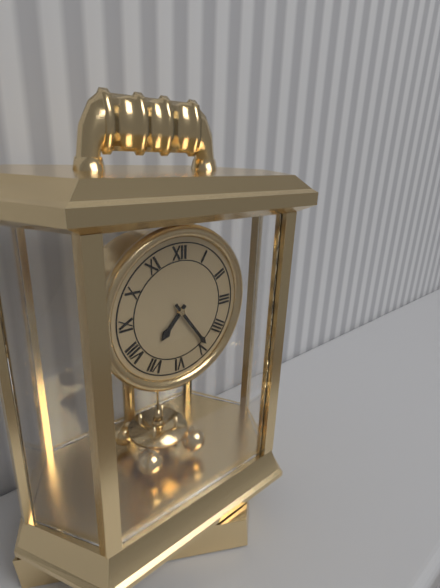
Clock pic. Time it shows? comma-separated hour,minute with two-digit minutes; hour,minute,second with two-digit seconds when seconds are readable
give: 7,24
